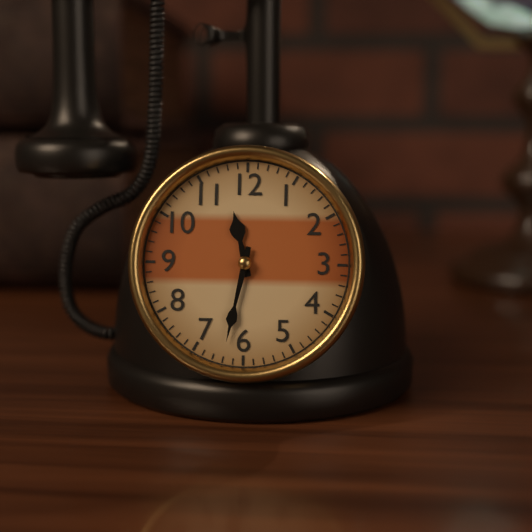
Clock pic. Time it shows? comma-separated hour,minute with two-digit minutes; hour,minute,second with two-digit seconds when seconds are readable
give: 11,32
